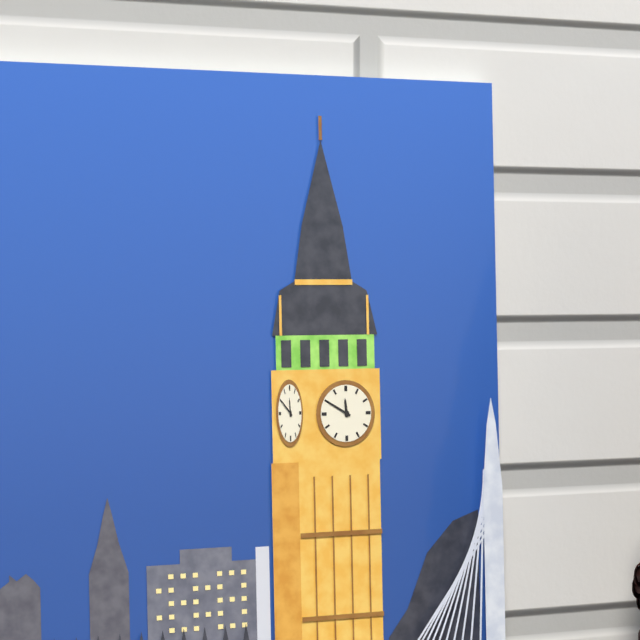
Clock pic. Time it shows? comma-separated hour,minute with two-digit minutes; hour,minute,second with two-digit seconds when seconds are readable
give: 11,50
